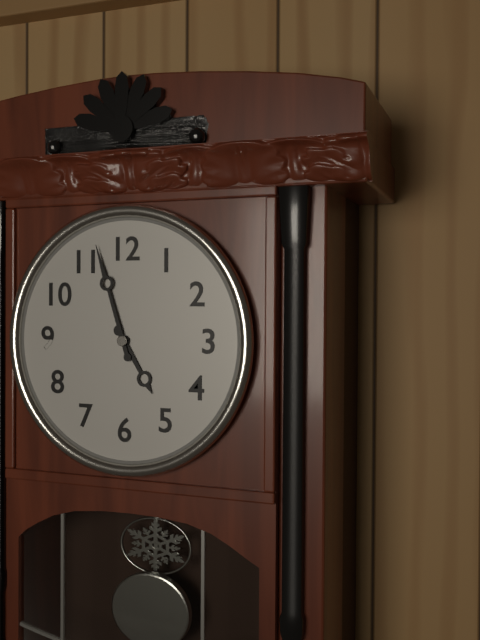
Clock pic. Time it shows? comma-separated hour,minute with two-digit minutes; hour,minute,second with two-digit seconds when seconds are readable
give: 4,57
